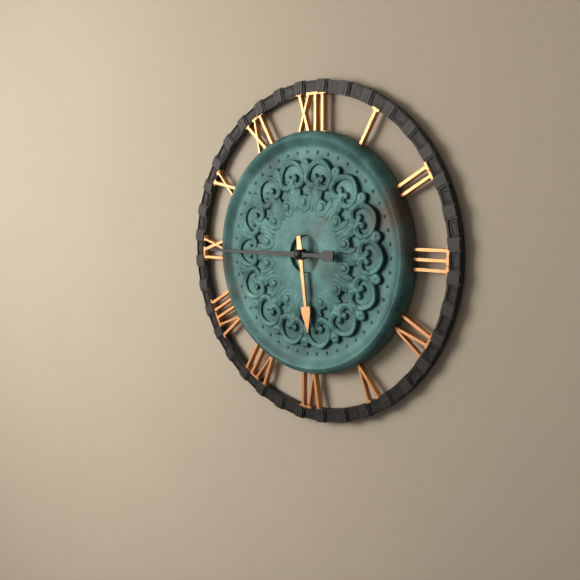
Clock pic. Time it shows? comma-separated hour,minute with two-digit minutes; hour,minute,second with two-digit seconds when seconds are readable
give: 5,45
